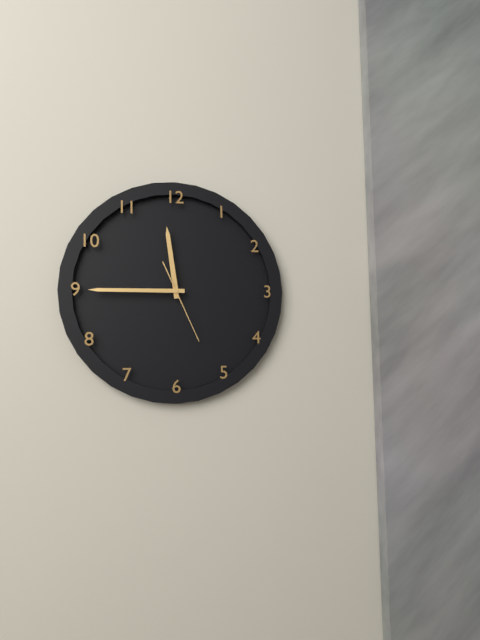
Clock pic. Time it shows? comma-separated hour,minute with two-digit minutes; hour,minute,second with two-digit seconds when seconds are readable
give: 11,45,26
